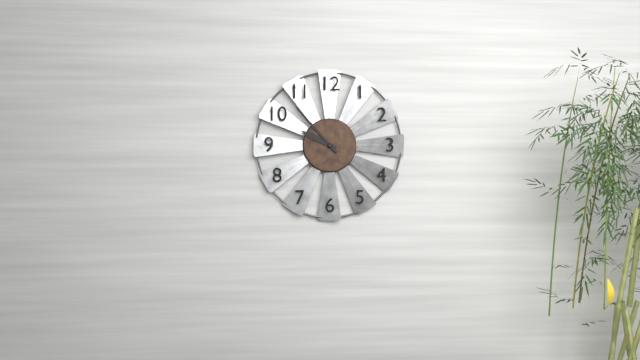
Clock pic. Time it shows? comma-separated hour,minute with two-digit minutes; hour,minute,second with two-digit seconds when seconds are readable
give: 9,53
